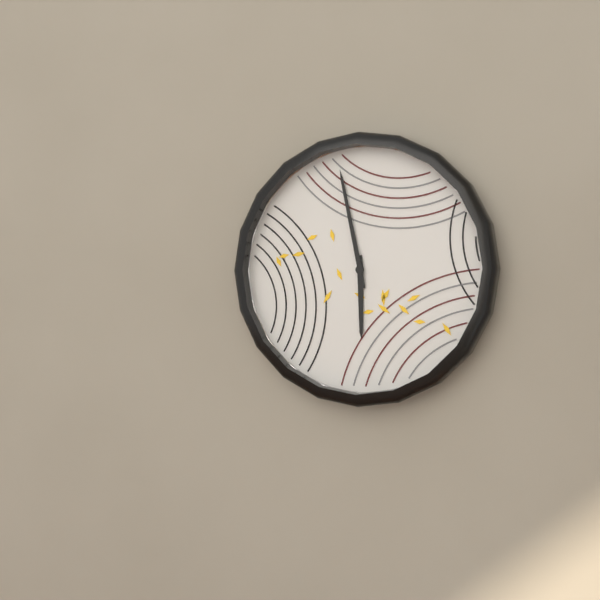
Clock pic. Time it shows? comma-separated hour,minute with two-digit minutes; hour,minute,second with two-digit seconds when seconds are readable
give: 5,58
